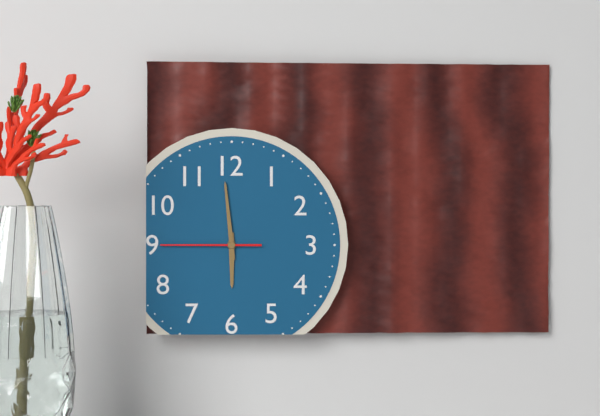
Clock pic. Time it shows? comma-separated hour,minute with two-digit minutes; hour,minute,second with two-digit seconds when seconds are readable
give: 5,59,45
